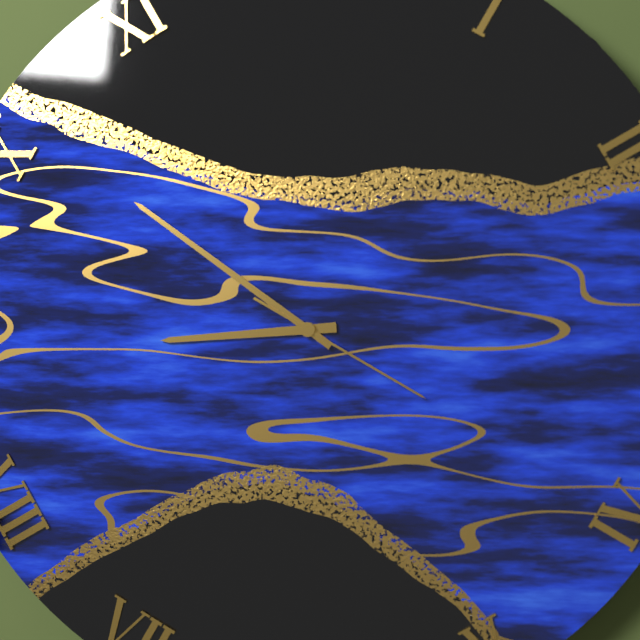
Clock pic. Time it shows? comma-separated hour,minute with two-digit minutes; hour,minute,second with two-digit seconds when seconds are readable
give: 8,51,20
